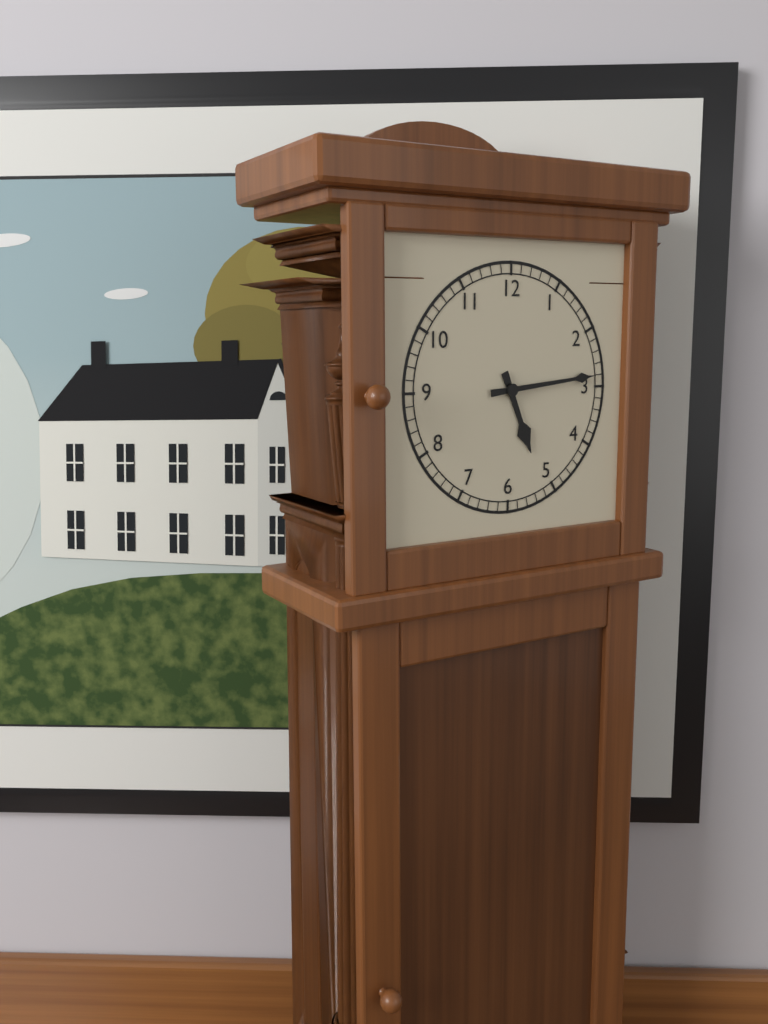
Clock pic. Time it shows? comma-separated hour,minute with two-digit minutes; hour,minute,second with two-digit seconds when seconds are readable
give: 5,14
